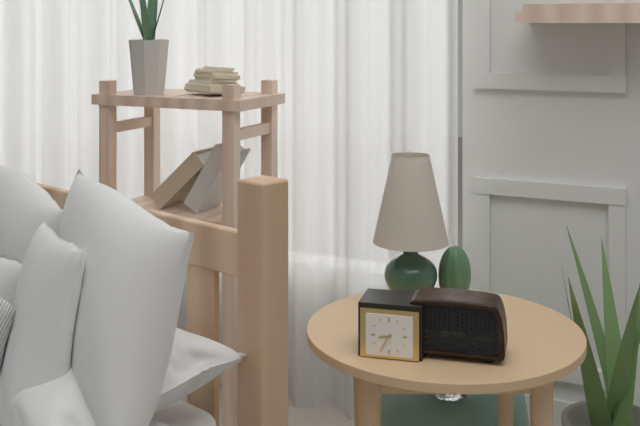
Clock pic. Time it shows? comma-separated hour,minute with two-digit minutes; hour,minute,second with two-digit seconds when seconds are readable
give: 8,35
